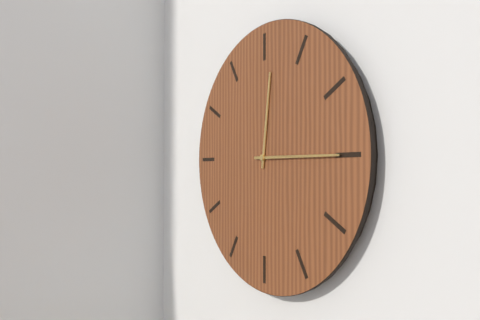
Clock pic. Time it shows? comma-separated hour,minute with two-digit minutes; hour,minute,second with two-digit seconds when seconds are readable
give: 12,15
